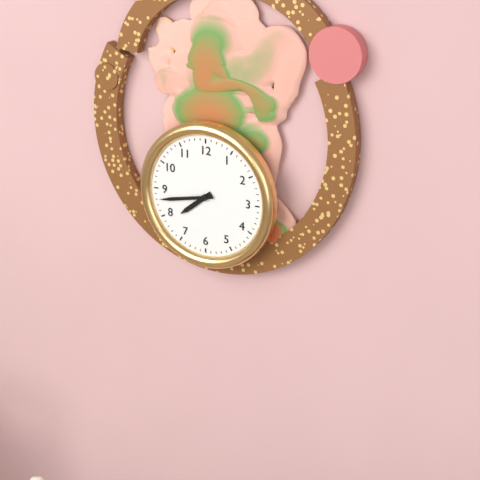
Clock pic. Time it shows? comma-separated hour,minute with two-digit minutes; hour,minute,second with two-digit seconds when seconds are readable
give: 7,43
